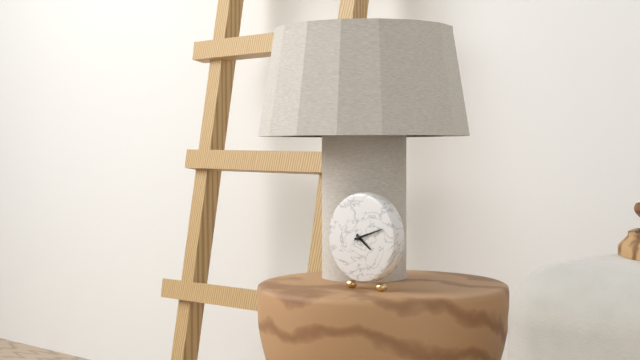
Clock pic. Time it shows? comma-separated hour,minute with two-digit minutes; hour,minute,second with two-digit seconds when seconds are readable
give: 4,12
